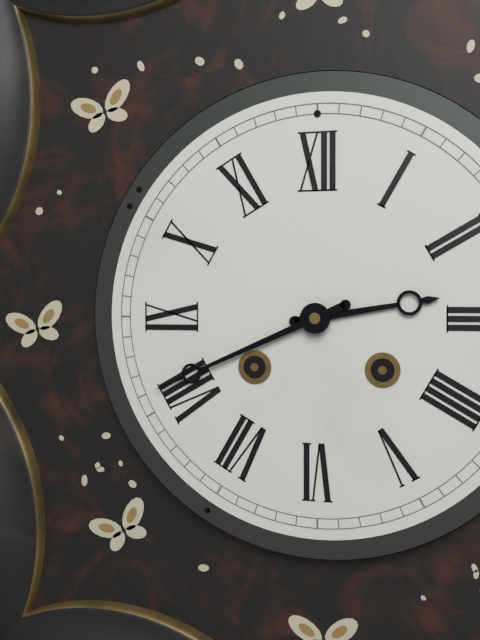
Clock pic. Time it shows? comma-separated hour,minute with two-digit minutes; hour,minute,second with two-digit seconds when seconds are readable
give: 2,41
